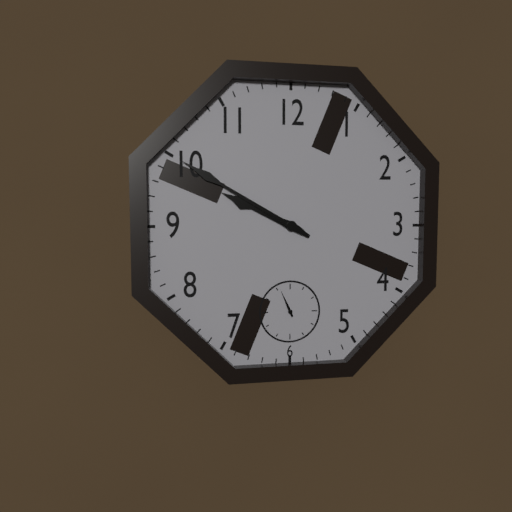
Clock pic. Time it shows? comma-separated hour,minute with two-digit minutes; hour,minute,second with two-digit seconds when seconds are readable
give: 9,50
